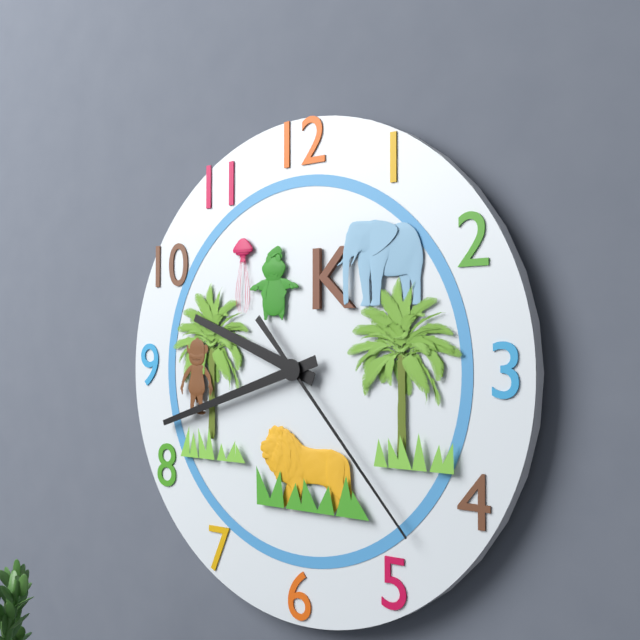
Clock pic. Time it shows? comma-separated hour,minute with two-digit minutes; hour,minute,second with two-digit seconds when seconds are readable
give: 9,42,23
